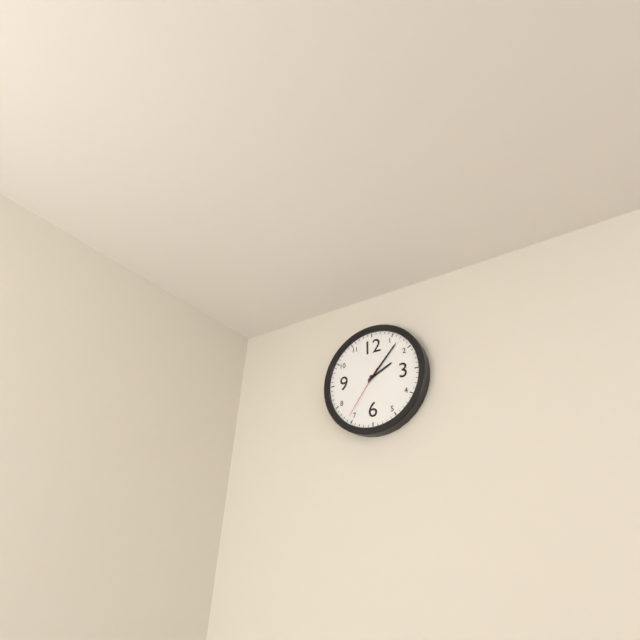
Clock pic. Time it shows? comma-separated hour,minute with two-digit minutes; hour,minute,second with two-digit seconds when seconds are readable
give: 2,07,36
